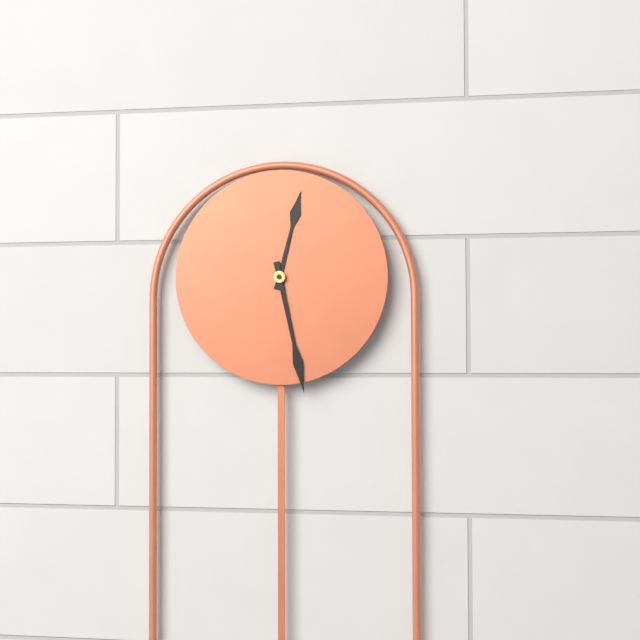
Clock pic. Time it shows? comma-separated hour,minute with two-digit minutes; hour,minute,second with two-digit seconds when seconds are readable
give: 12,28
